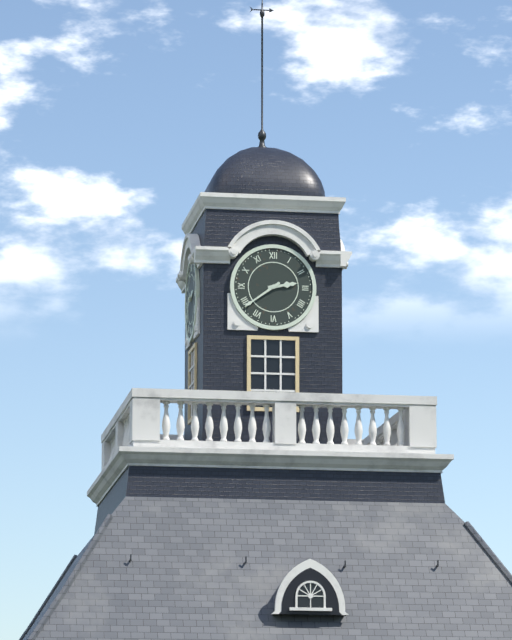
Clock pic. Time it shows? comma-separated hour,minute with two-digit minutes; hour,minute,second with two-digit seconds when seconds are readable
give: 2,39
